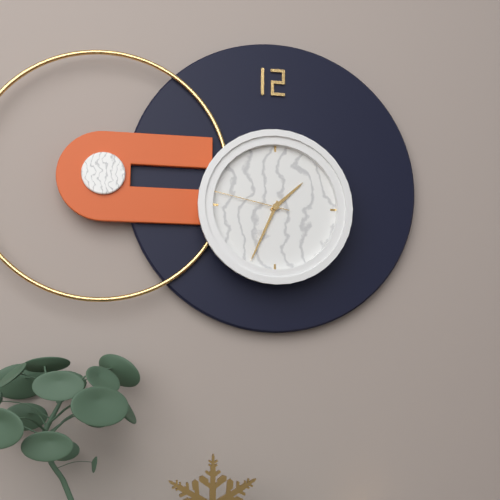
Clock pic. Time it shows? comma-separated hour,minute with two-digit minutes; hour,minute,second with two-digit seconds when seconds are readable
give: 1,34,47
